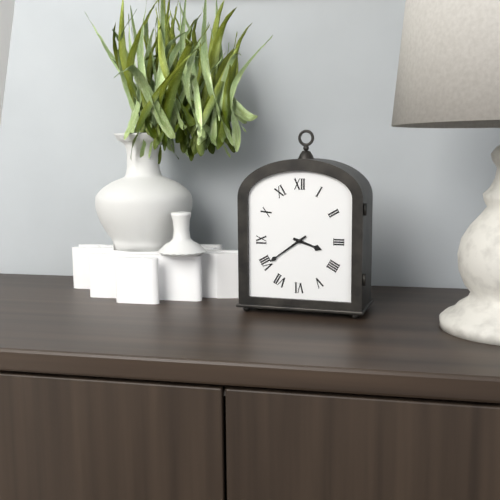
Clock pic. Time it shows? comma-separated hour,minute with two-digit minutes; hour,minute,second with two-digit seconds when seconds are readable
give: 3,39
